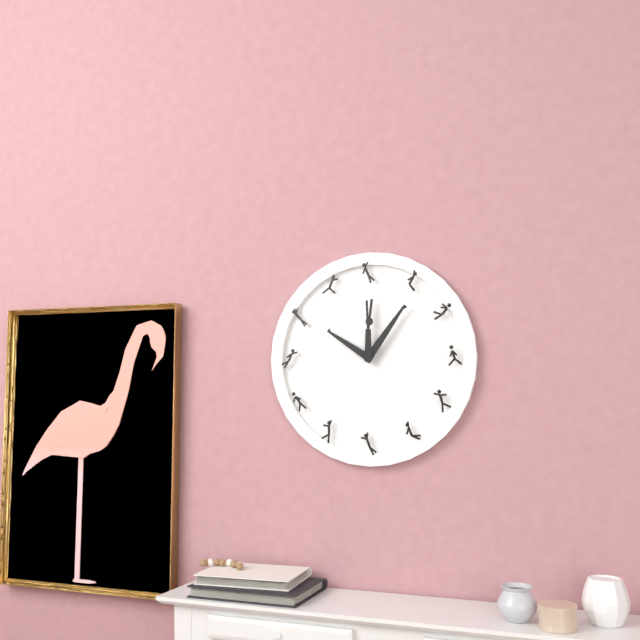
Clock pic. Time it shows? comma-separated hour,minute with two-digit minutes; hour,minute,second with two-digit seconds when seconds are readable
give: 10,06
